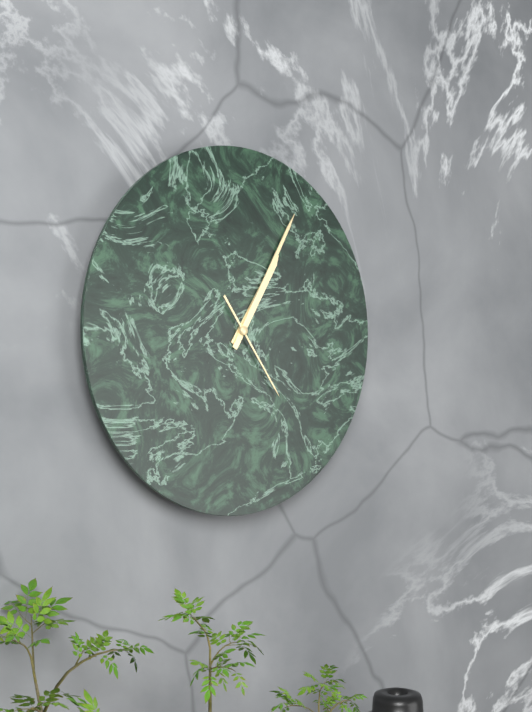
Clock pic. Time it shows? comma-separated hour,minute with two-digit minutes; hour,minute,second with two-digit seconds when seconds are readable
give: 1,05,24
